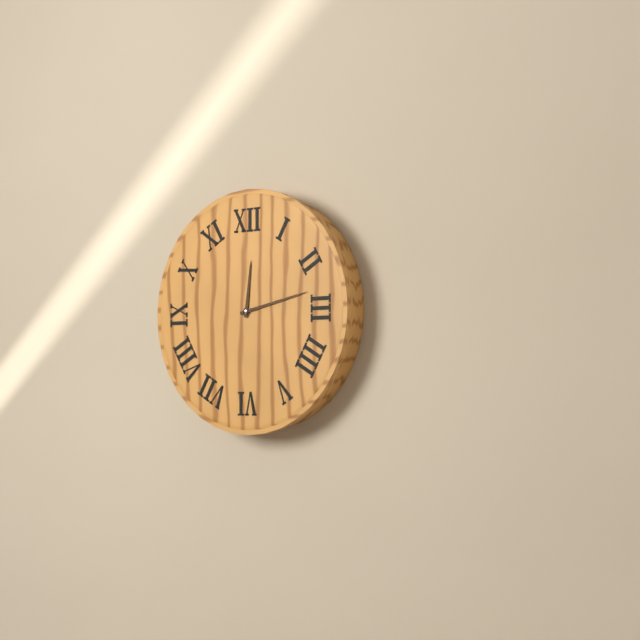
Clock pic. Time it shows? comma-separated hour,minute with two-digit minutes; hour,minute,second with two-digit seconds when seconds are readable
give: 12,13
